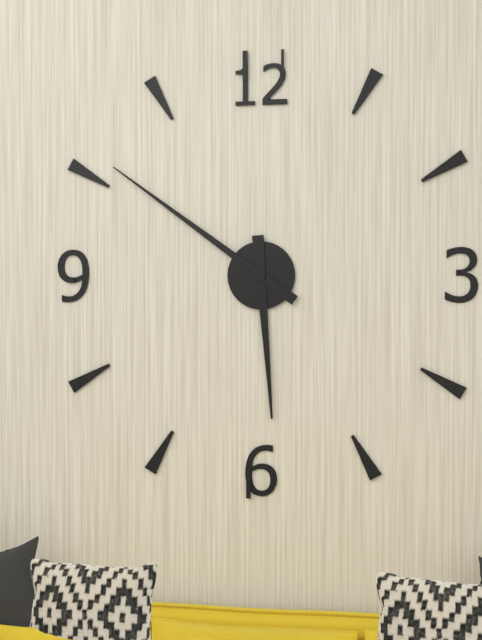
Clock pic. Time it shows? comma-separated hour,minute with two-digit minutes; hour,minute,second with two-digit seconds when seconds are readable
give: 5,51
